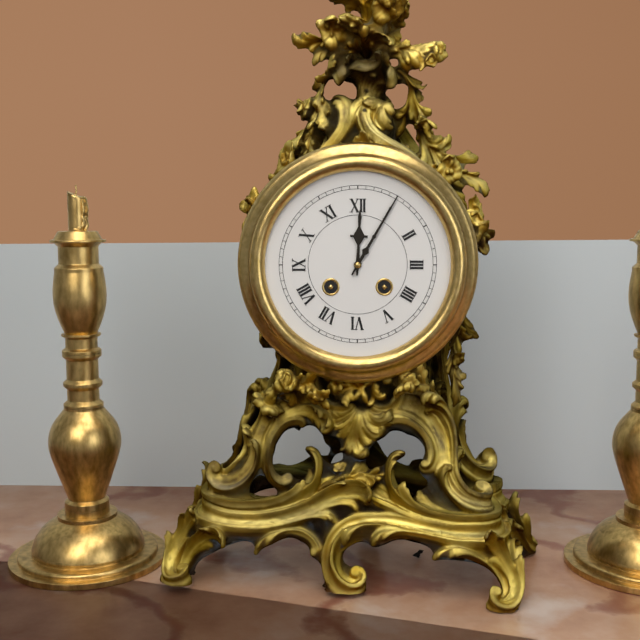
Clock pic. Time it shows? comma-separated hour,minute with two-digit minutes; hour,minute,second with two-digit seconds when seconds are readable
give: 12,05
